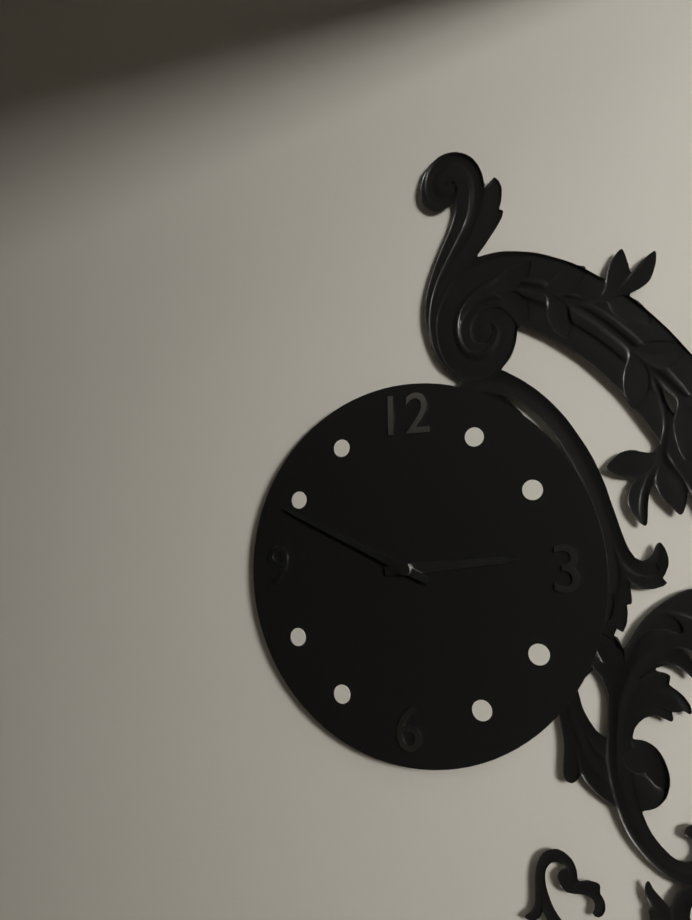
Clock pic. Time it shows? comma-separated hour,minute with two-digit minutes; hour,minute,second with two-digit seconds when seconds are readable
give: 2,49
